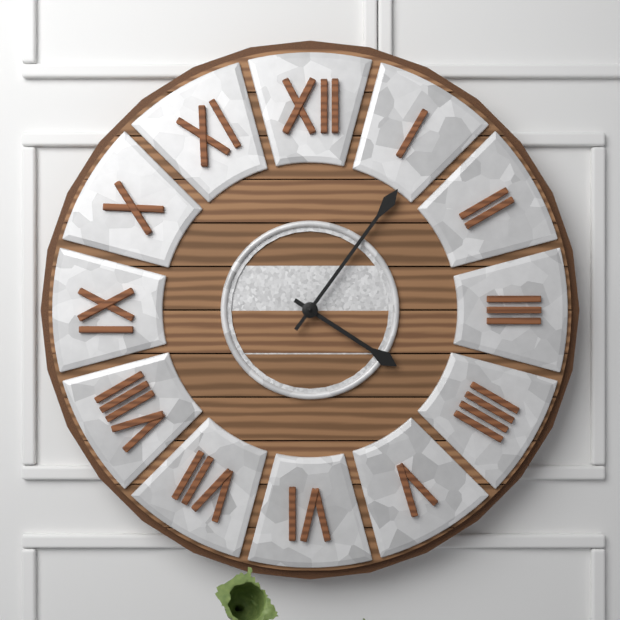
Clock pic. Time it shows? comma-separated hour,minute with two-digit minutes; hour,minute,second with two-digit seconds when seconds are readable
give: 4,06
